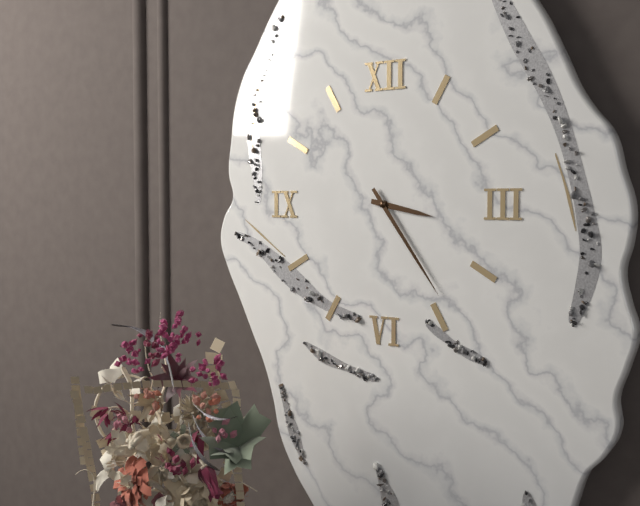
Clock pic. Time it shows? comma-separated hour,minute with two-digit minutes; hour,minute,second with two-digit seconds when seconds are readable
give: 3,24
